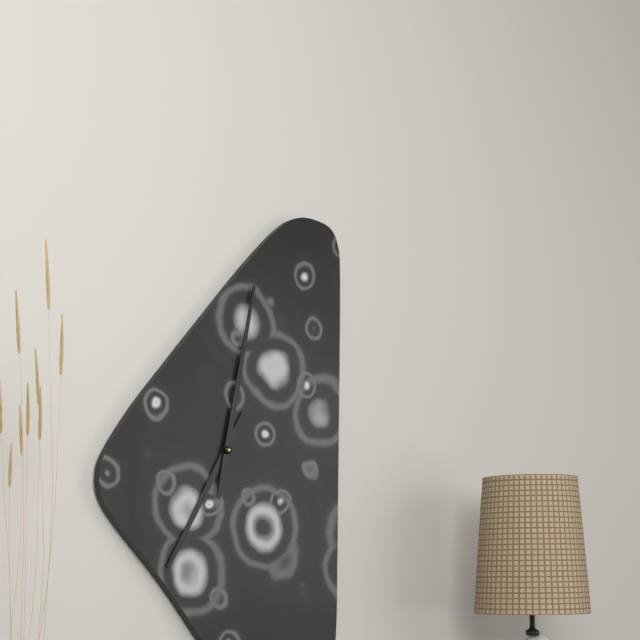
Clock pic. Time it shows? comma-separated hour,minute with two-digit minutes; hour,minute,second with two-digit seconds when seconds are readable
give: 7,02
